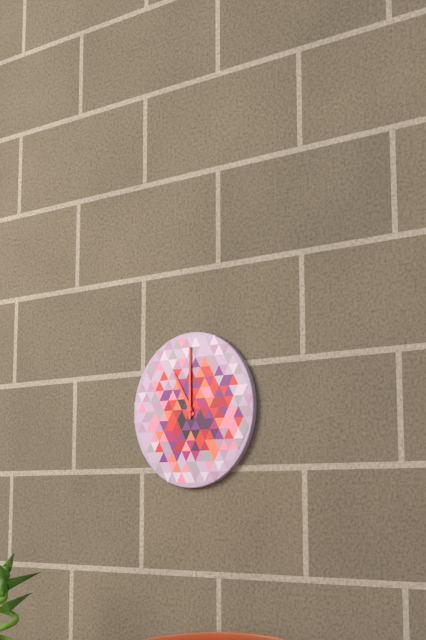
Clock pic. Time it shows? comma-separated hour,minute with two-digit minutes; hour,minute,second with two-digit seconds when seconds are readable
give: 11,00
